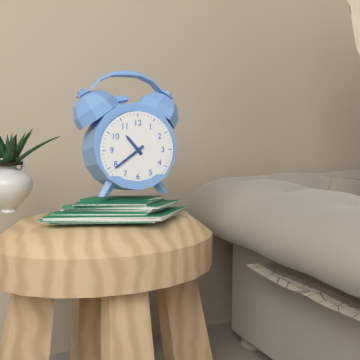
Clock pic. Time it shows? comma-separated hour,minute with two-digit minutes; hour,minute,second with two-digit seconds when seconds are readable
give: 10,39
